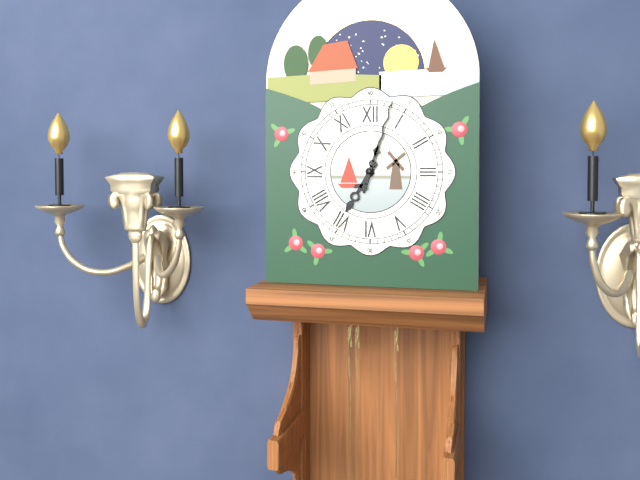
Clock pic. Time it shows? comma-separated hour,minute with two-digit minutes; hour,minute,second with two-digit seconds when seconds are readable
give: 7,03
